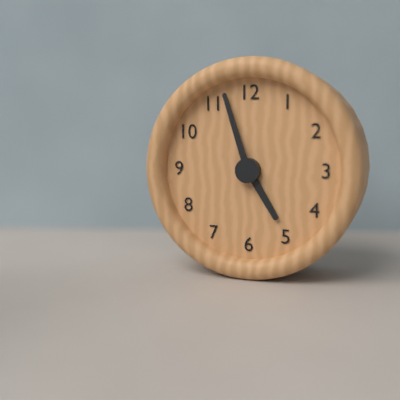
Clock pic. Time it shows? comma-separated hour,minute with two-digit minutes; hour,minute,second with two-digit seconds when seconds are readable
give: 4,57
